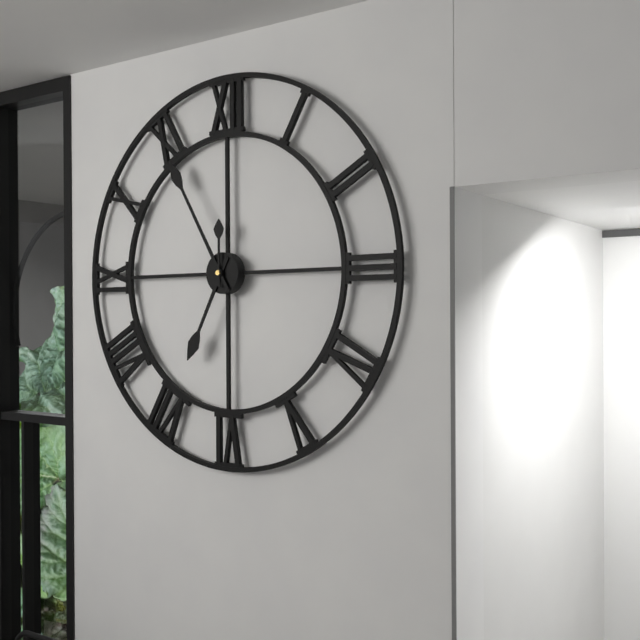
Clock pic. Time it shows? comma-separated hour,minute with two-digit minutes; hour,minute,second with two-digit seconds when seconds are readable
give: 6,55,00
